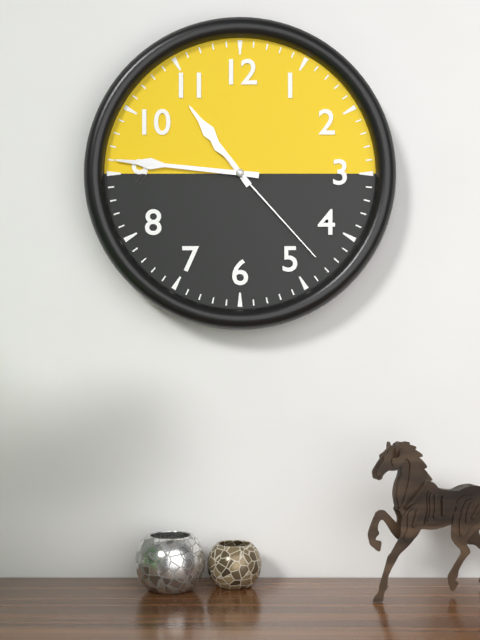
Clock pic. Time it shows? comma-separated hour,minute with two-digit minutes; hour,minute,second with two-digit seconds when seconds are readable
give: 10,46,23
